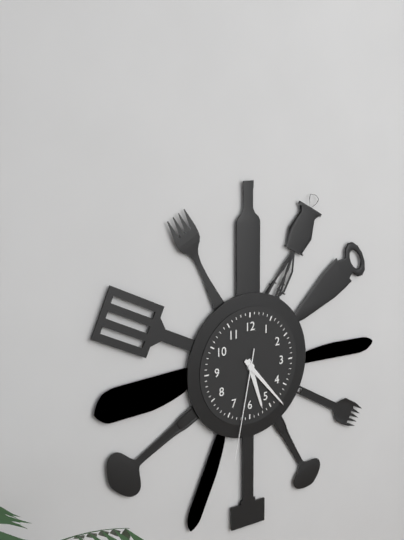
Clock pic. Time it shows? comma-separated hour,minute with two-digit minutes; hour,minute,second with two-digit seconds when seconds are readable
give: 5,23,32
